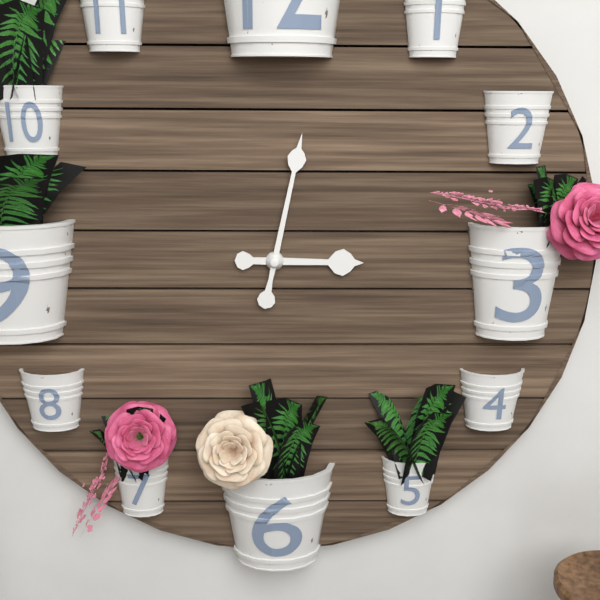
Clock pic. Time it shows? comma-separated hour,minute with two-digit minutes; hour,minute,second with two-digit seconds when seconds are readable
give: 3,02
